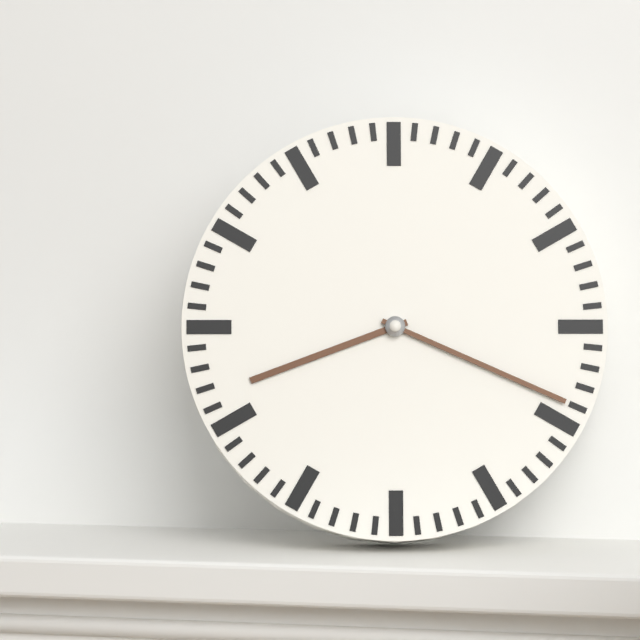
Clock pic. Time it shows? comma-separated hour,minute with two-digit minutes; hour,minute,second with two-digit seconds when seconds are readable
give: 8,19
